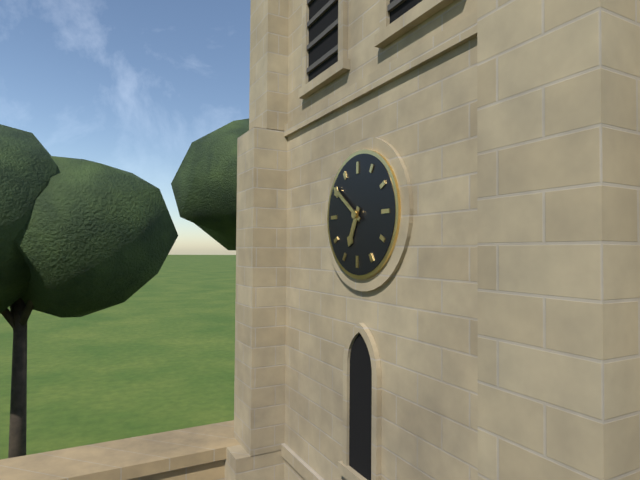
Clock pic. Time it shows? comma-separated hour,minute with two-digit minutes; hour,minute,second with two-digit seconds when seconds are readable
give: 6,51
